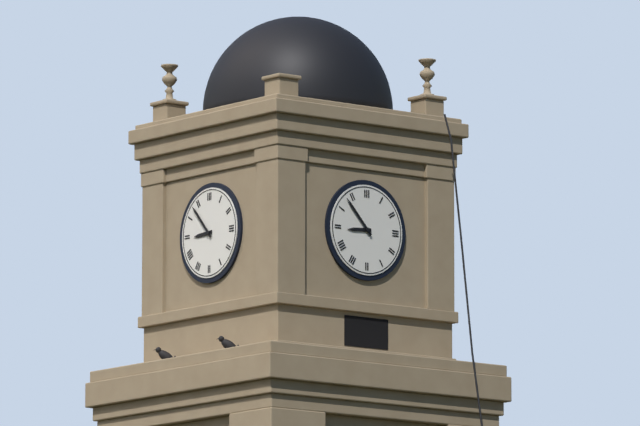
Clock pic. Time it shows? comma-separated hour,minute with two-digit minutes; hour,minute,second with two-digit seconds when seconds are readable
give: 8,53
